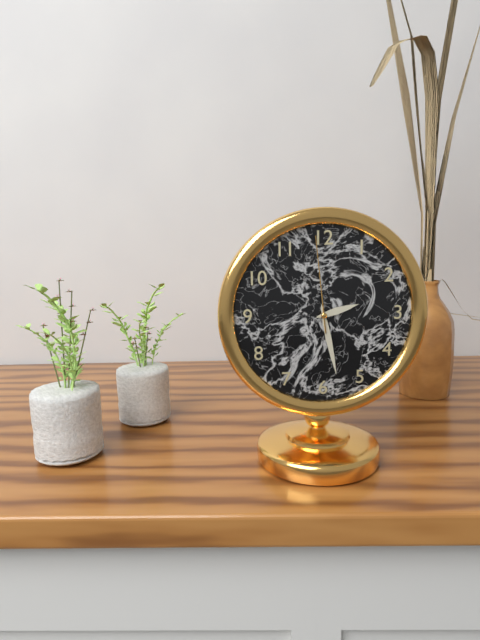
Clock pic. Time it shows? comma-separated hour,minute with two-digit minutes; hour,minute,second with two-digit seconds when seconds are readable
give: 2,28,59
